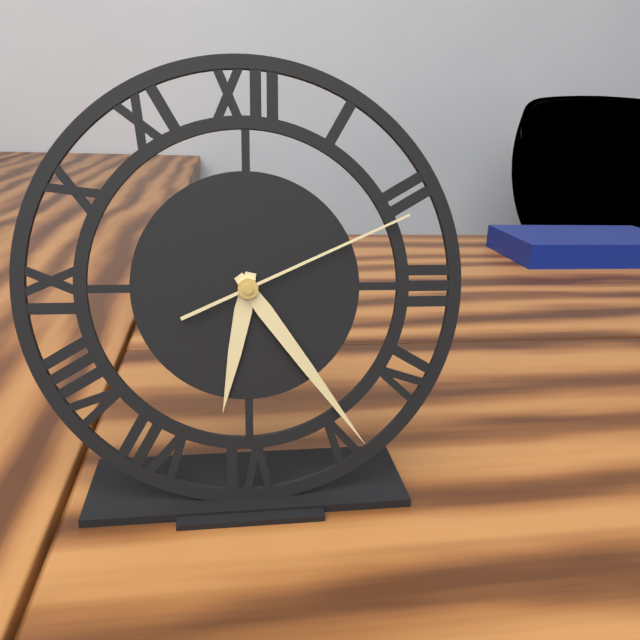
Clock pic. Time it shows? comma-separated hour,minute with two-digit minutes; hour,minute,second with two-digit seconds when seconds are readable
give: 6,24,11
